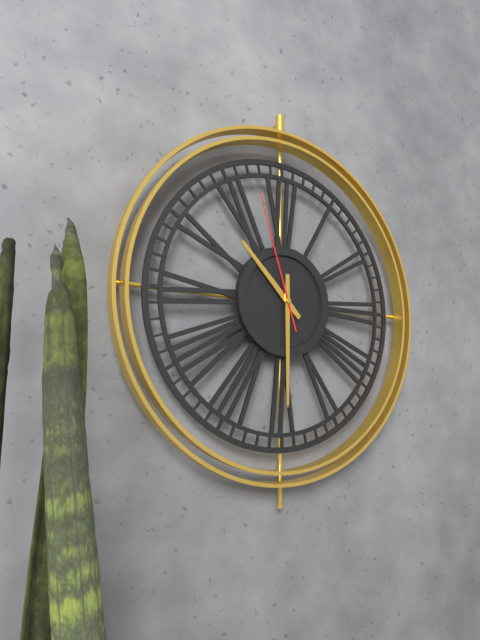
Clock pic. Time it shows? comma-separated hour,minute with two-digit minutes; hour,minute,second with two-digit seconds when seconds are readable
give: 10,30,57
